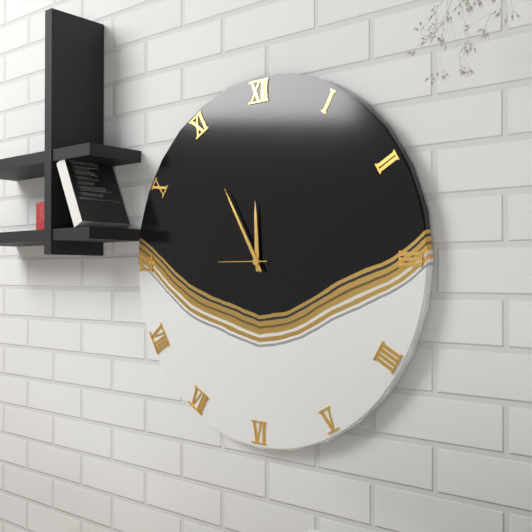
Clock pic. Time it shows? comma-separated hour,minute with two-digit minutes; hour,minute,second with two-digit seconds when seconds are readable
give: 11,55,45
